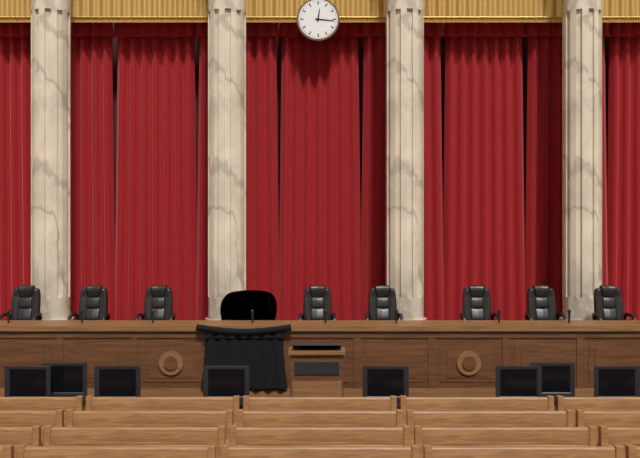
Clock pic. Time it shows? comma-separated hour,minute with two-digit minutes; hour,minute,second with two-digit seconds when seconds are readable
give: 12,16
